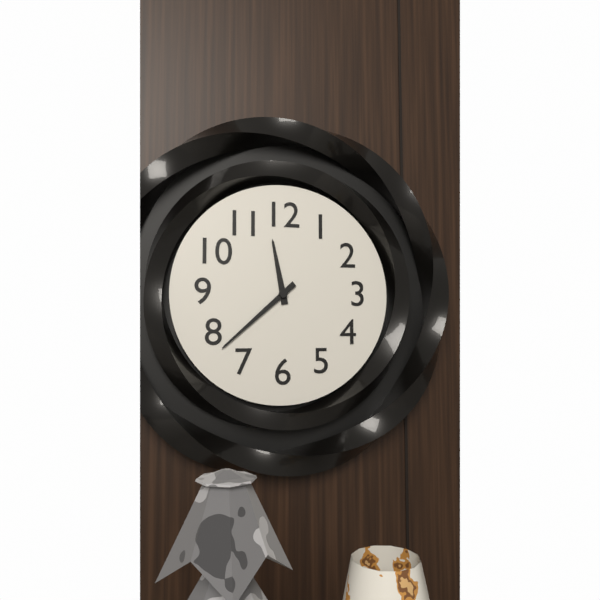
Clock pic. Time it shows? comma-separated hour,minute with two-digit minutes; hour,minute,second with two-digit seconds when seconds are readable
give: 11,38
